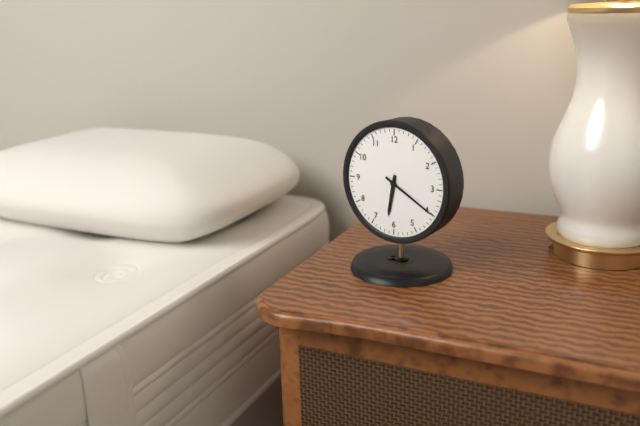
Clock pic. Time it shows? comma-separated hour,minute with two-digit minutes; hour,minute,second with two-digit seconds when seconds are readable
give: 6,20
